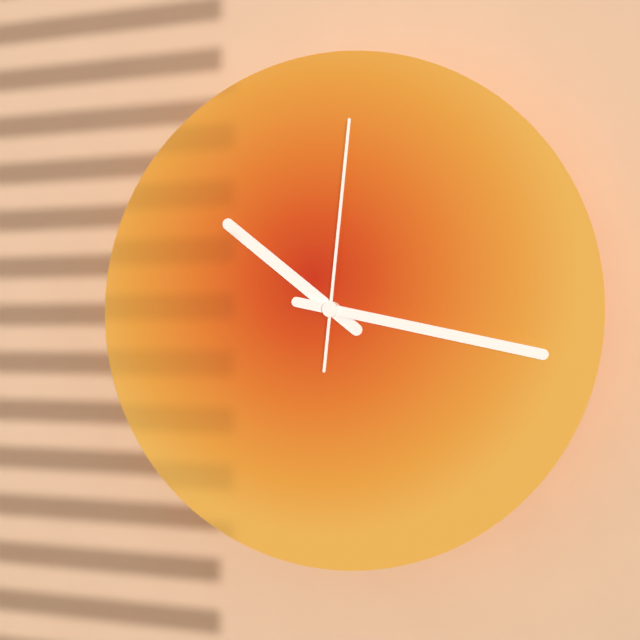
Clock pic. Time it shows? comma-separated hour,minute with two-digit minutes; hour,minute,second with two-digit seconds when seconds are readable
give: 10,17,01
